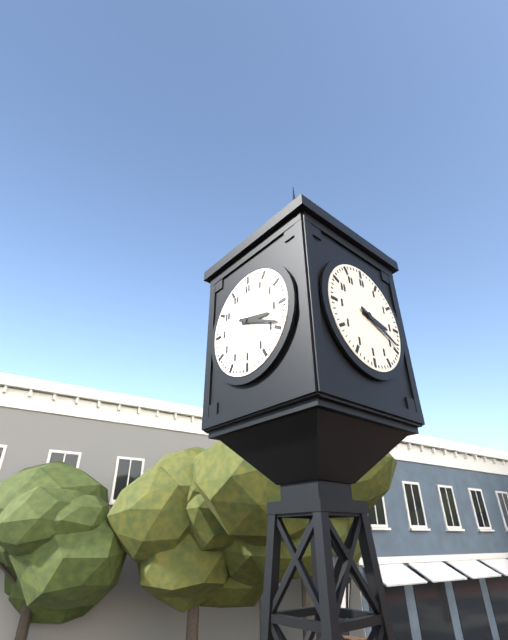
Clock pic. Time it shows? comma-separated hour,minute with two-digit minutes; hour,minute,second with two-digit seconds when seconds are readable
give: 3,19
